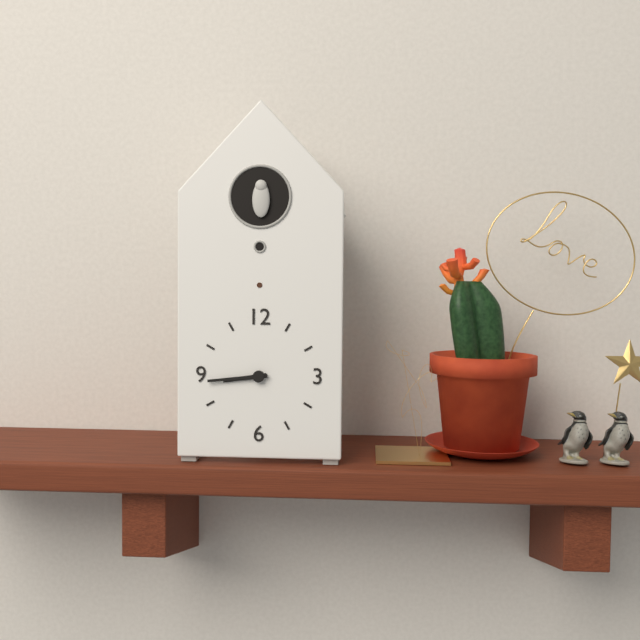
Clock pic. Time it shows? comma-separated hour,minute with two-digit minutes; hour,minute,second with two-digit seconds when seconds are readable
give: 8,44
